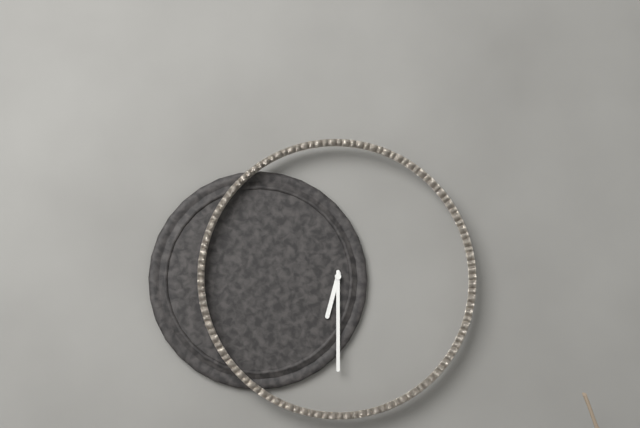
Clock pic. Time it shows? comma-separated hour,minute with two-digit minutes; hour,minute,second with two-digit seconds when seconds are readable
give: 6,30
